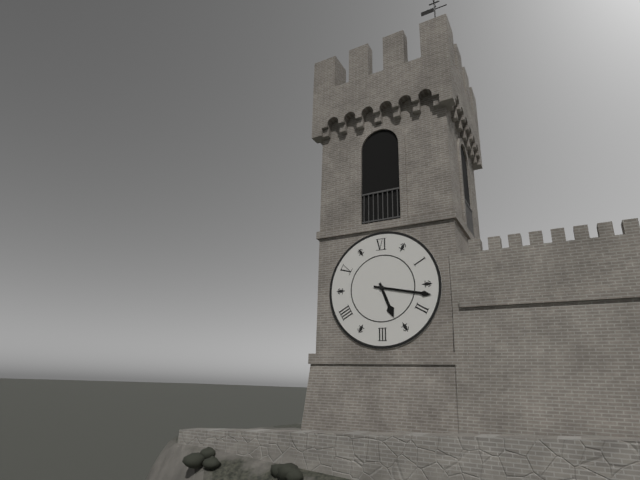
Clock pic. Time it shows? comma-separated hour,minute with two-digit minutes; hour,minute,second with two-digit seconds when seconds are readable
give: 5,17
